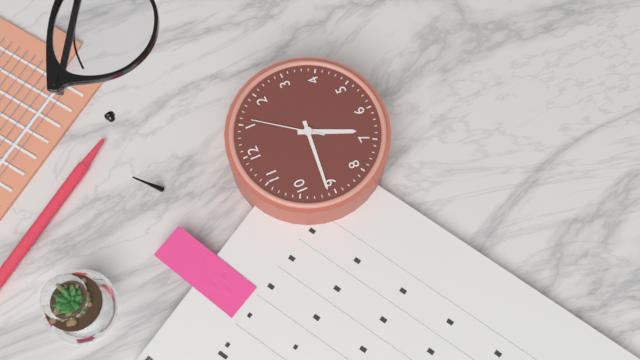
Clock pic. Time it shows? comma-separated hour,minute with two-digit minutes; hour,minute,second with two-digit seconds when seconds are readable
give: 6,46,06
